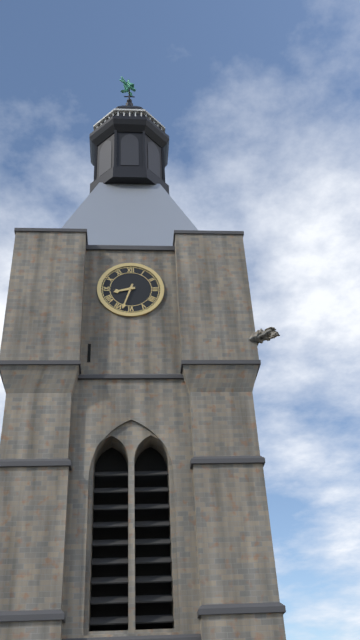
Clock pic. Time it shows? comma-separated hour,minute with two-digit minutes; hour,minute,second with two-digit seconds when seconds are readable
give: 8,33
